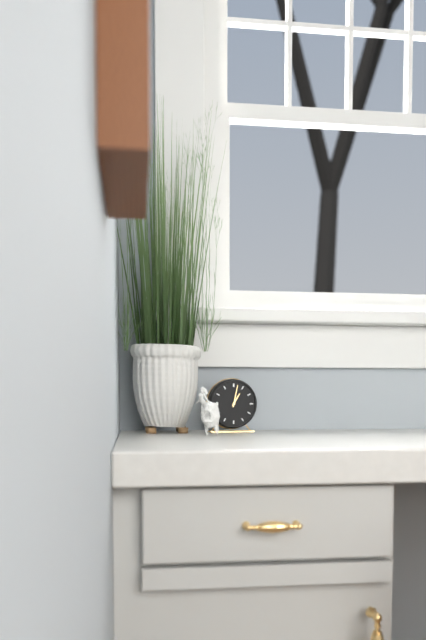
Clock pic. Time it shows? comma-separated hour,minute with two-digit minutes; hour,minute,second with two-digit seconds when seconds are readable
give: 1,02
